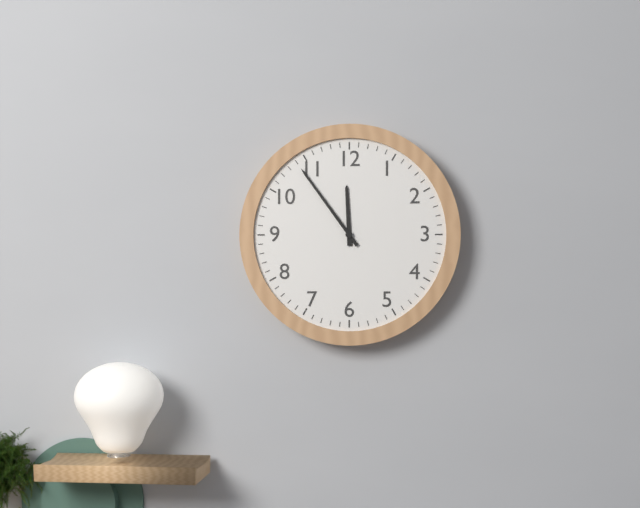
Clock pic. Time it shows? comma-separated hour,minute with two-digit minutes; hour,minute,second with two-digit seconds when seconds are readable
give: 11,54
